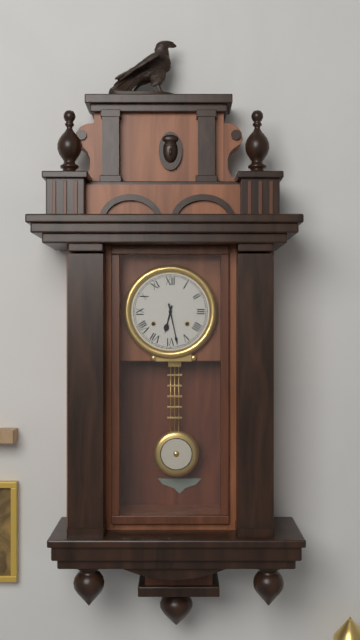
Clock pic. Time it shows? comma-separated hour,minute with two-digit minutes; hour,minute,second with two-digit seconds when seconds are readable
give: 6,28
